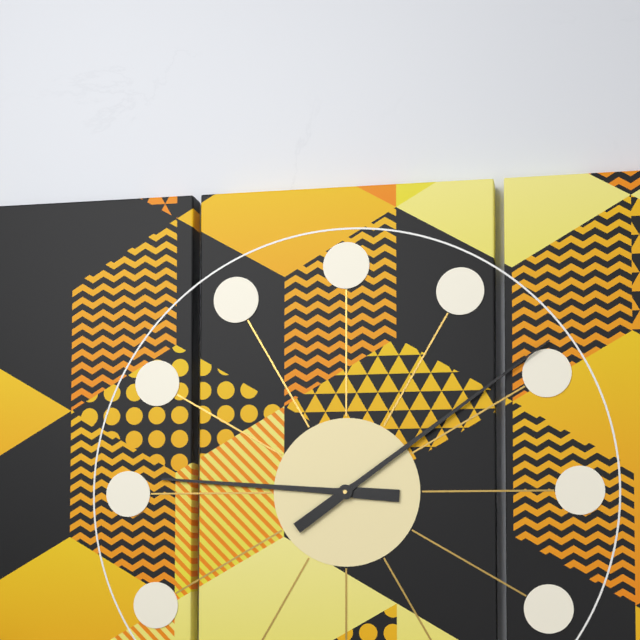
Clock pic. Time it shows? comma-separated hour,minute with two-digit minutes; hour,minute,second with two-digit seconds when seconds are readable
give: 9,09
